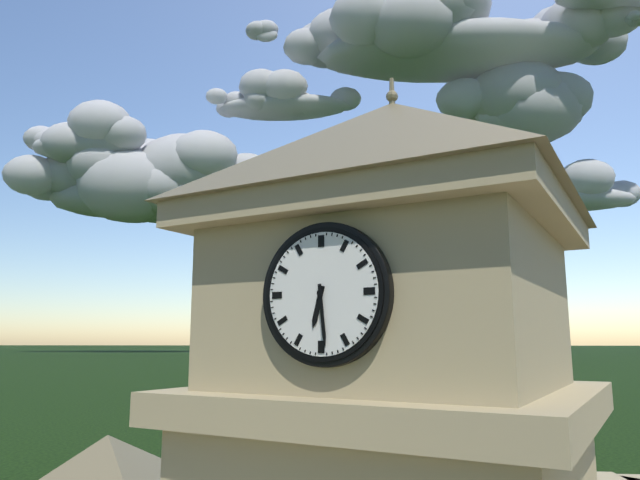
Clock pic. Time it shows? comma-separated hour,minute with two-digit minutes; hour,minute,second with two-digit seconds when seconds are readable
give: 6,29
